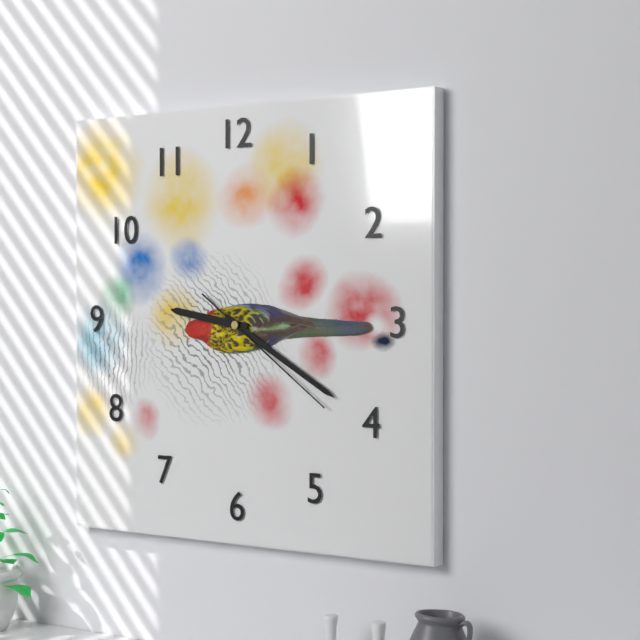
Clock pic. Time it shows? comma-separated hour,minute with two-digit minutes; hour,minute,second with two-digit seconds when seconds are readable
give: 9,20,21
